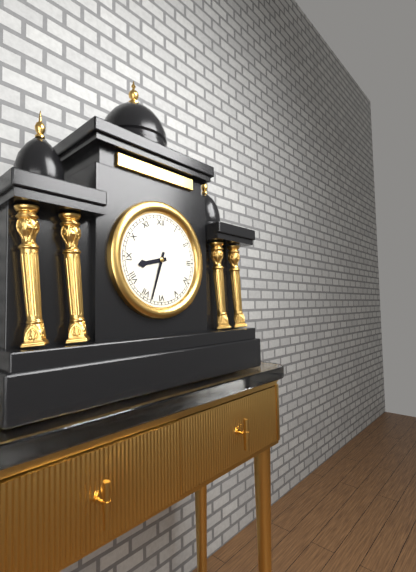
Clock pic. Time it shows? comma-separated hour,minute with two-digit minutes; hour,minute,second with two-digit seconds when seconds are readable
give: 8,33
